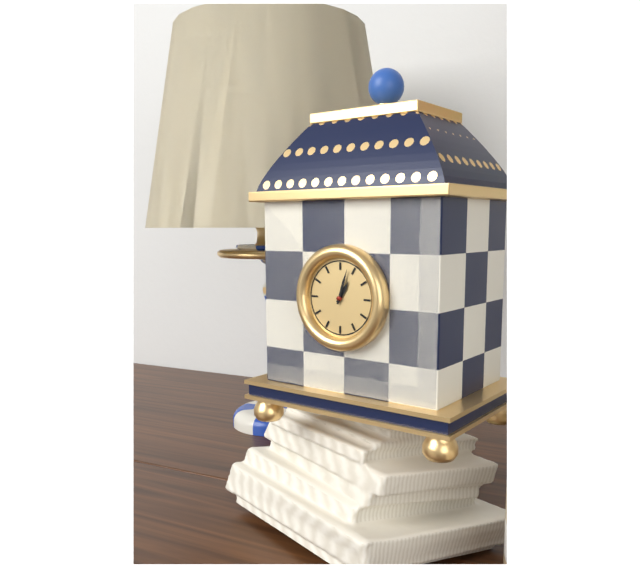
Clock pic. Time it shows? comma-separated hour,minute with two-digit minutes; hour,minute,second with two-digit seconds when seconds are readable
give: 1,03
